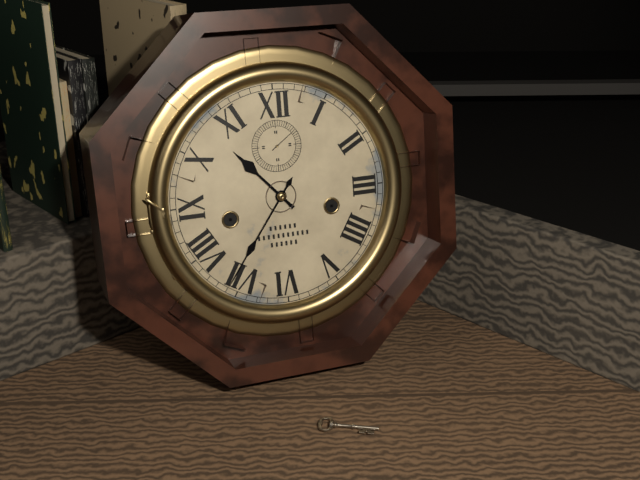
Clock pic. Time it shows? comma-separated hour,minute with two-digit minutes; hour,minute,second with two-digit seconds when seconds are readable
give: 10,36
